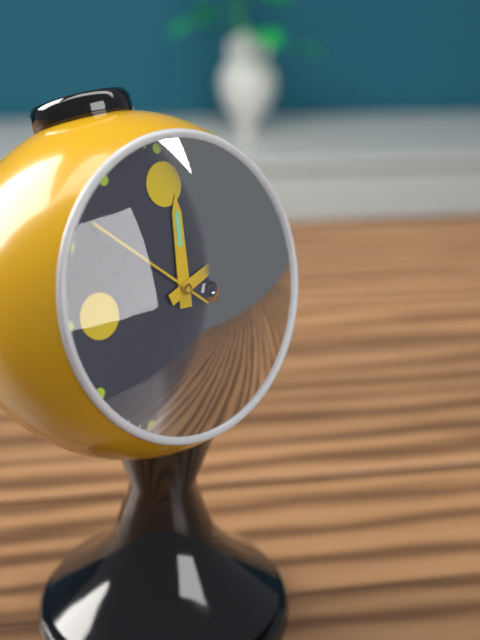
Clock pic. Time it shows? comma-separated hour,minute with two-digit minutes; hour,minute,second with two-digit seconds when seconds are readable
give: 12,12,52
